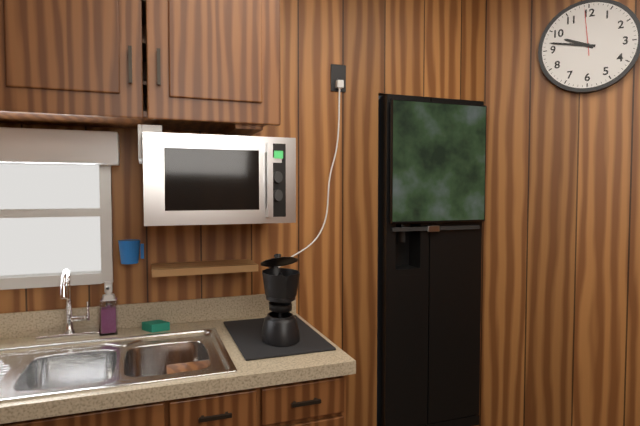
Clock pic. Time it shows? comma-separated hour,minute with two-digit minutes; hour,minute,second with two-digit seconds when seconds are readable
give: 9,47,59
